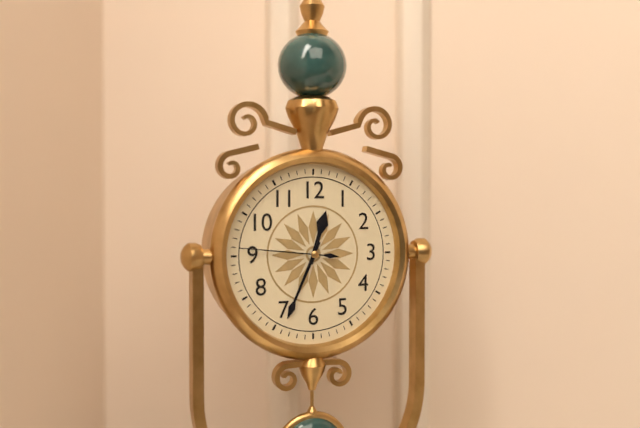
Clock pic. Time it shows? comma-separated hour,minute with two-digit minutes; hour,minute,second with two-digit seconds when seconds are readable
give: 12,34,46
